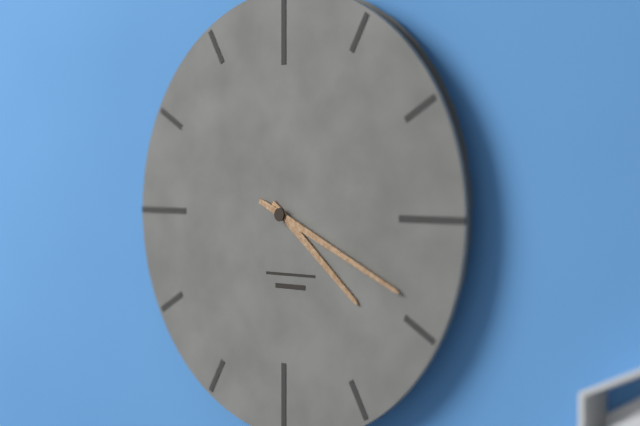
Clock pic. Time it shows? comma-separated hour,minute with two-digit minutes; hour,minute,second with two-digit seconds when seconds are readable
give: 4,19
